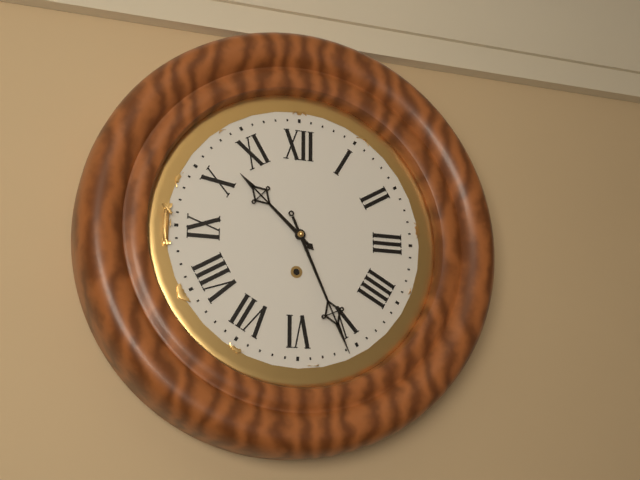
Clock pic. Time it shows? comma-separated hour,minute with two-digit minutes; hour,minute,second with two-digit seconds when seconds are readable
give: 10,26
